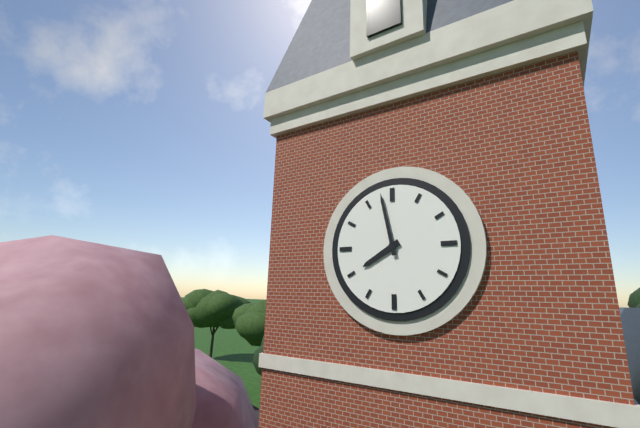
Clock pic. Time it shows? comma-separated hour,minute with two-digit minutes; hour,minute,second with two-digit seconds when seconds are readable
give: 7,58
